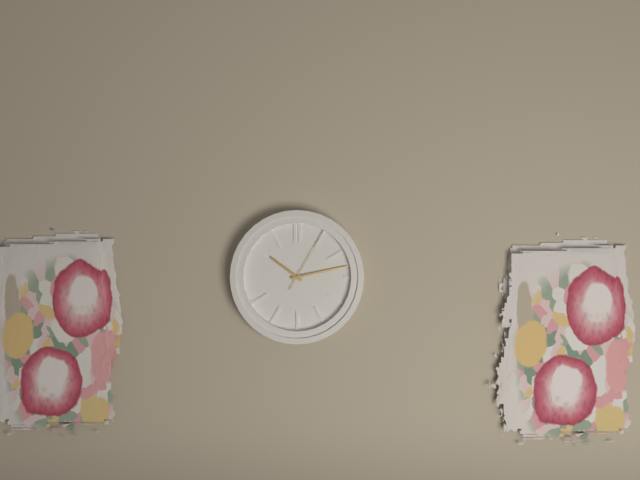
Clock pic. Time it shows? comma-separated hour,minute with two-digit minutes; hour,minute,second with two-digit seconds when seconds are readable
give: 10,13,05
